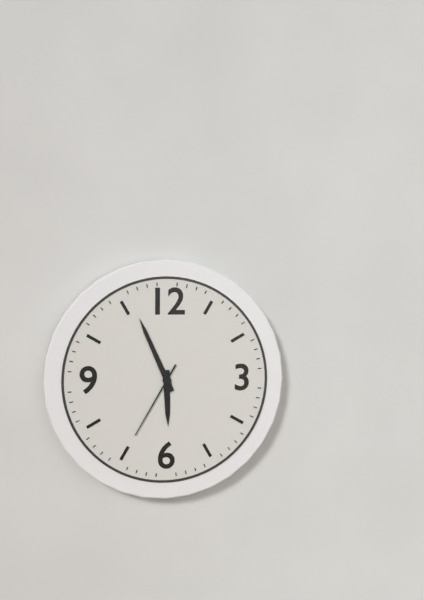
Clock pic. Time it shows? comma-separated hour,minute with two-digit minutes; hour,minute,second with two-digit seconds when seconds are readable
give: 5,56,35
